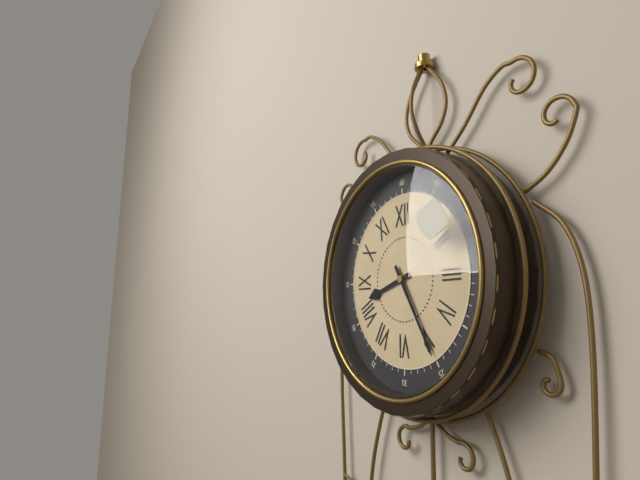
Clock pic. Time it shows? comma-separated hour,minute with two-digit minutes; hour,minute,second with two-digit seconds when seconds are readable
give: 8,25
